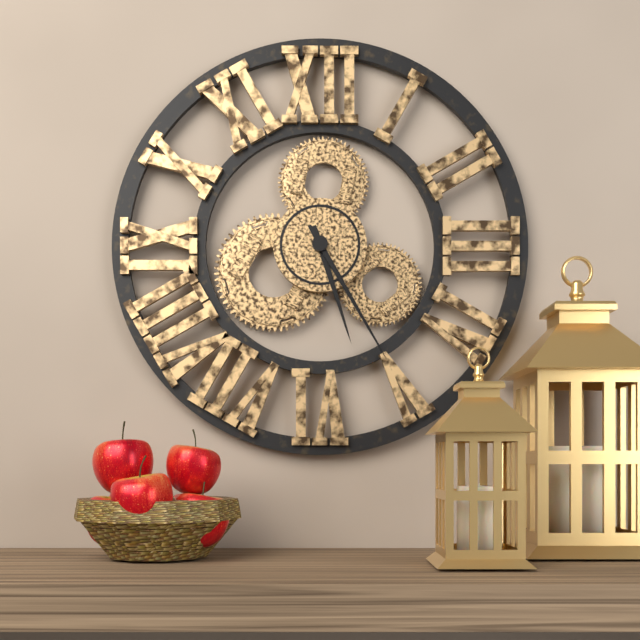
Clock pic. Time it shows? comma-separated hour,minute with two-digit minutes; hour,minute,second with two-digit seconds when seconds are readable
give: 5,25
